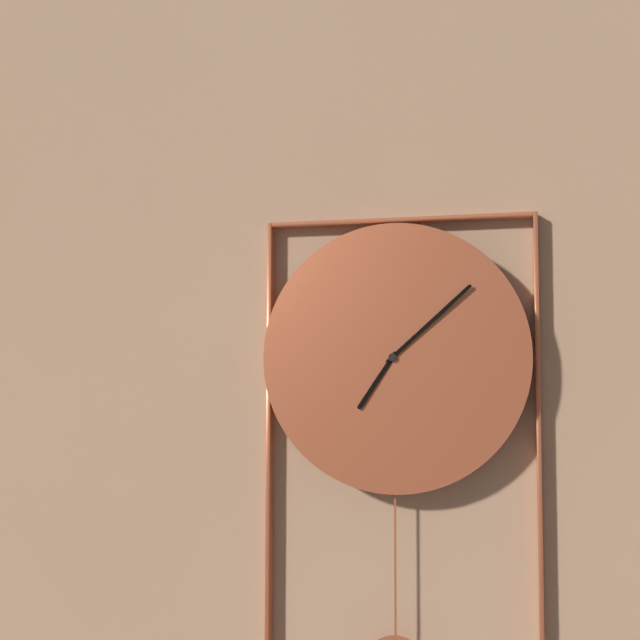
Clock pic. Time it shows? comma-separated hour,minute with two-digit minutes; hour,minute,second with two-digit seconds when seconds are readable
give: 7,08
